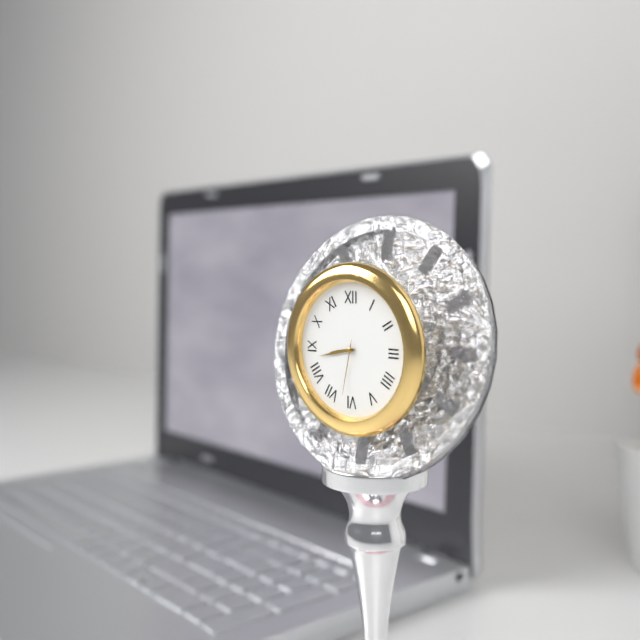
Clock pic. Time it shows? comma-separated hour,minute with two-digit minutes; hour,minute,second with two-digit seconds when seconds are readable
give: 8,43,32
